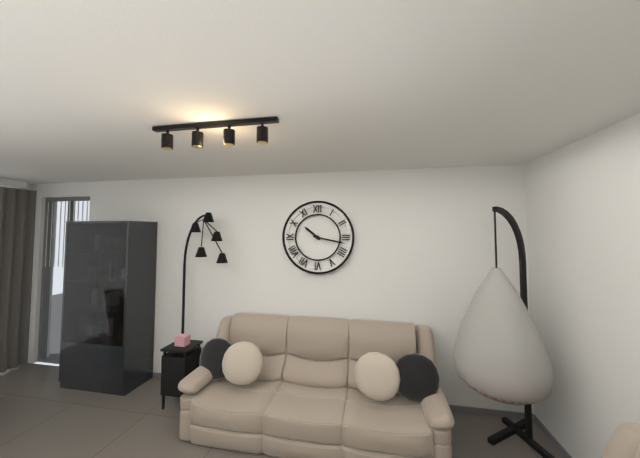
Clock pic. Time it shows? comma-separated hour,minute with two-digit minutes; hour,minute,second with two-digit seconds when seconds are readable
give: 10,17
